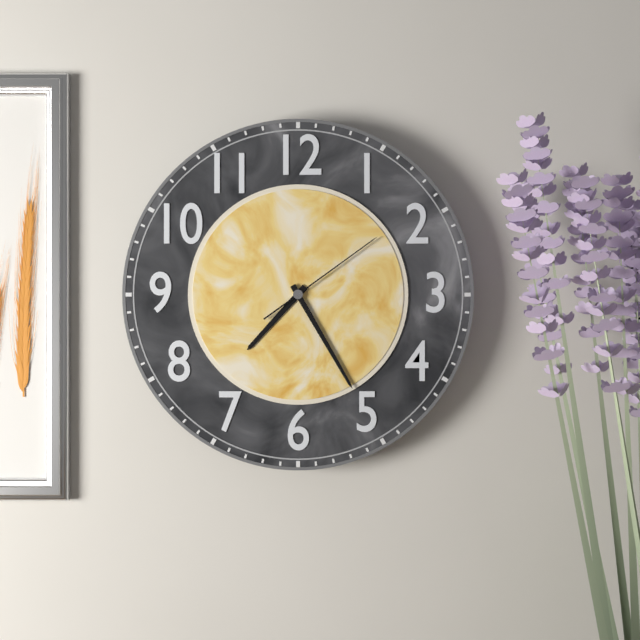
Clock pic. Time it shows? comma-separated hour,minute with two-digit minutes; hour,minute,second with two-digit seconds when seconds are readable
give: 7,25,09
